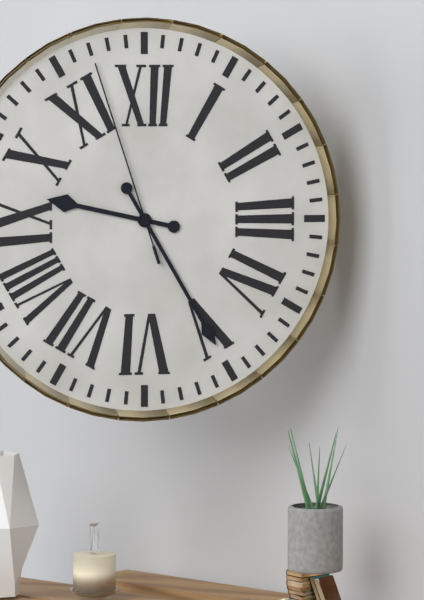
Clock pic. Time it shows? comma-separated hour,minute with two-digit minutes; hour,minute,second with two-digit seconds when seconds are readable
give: 9,25,57
